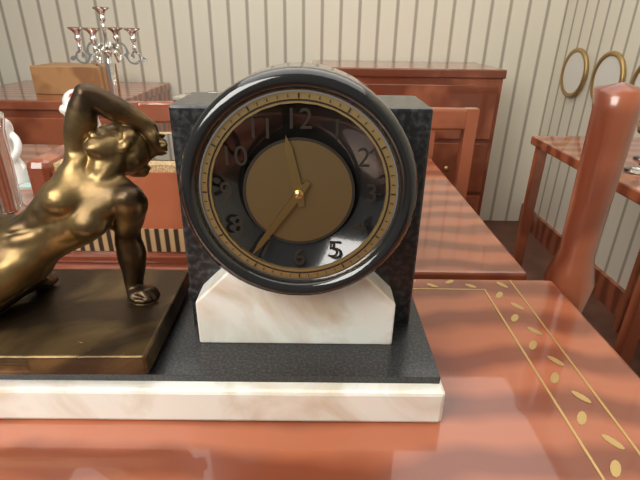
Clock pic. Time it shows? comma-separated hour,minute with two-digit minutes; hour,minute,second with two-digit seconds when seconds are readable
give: 11,36
